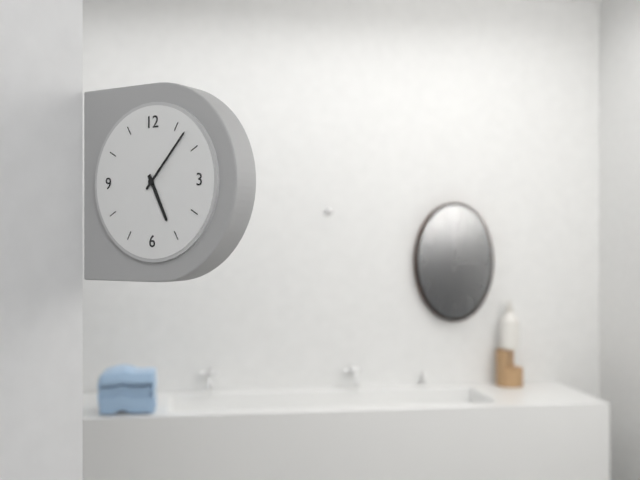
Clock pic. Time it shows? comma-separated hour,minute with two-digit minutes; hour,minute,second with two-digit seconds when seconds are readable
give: 5,07
